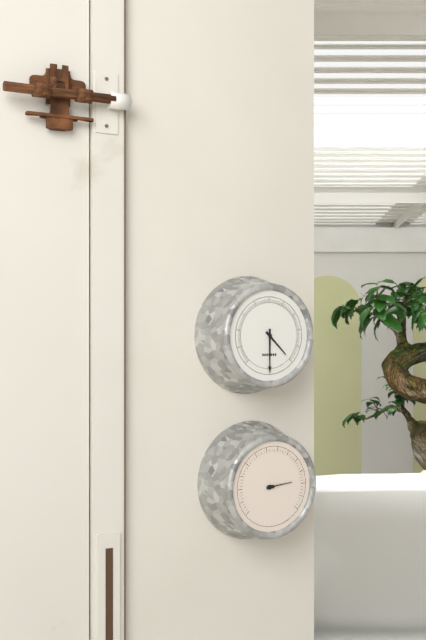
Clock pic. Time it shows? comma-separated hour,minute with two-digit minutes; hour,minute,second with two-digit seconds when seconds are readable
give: 4,30
